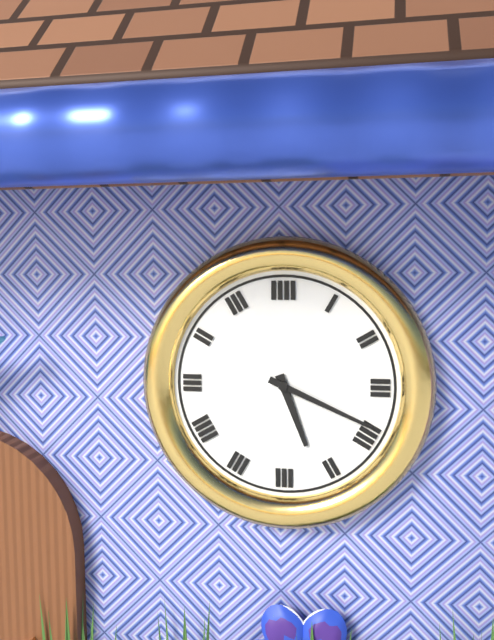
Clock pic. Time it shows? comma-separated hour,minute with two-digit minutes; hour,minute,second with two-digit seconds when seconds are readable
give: 5,19
